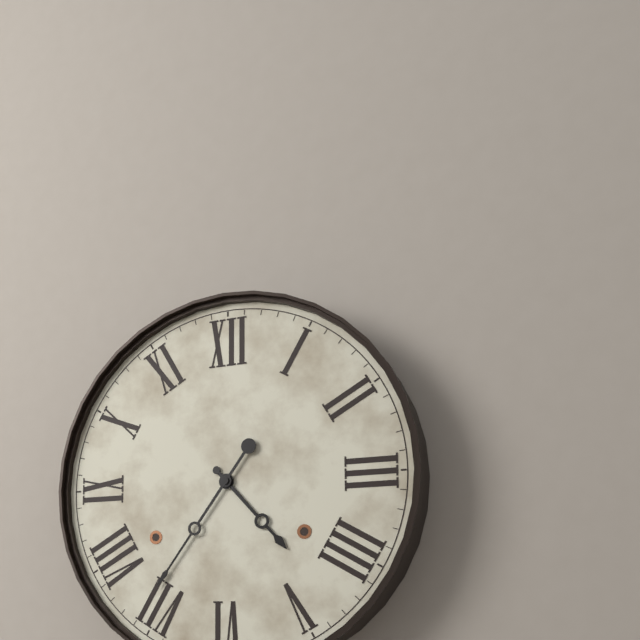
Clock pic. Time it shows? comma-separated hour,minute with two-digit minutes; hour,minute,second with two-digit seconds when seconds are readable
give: 4,36
